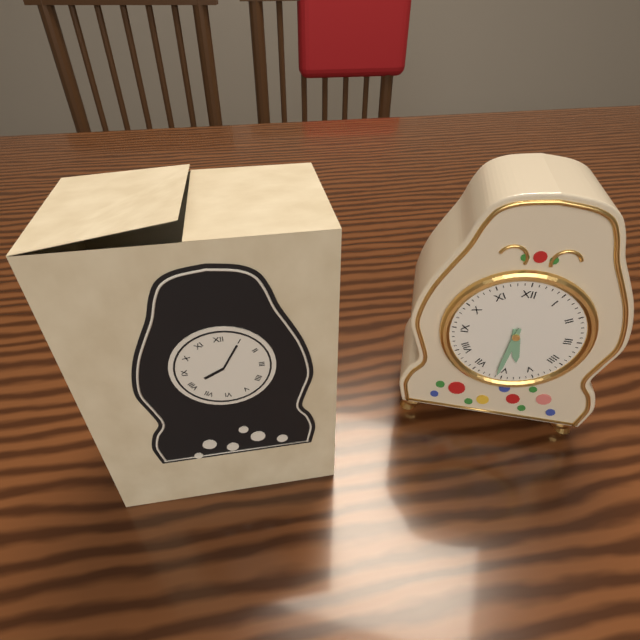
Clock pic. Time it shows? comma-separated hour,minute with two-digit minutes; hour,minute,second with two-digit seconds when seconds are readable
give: 5,31
